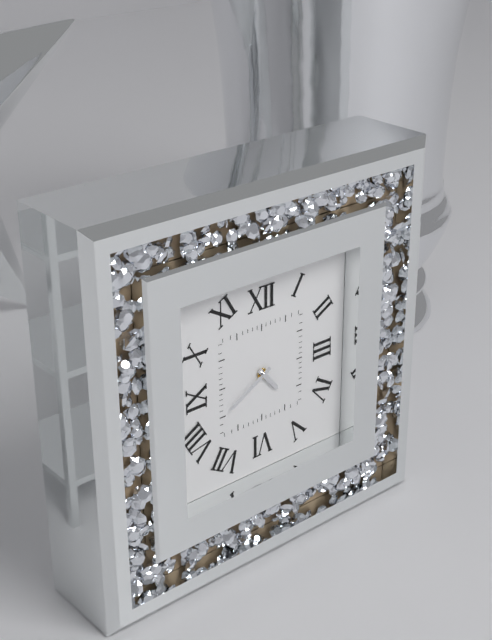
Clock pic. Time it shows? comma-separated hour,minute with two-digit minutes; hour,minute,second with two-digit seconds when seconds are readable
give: 4,40
